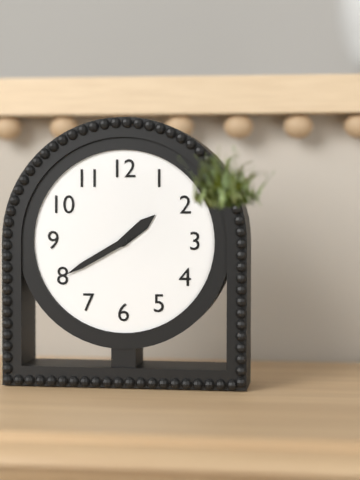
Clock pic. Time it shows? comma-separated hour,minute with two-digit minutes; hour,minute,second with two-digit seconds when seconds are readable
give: 1,40
